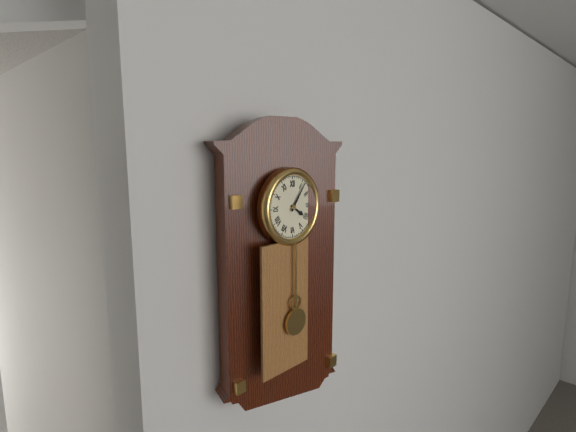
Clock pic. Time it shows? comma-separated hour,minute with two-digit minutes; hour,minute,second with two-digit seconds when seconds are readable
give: 4,06
